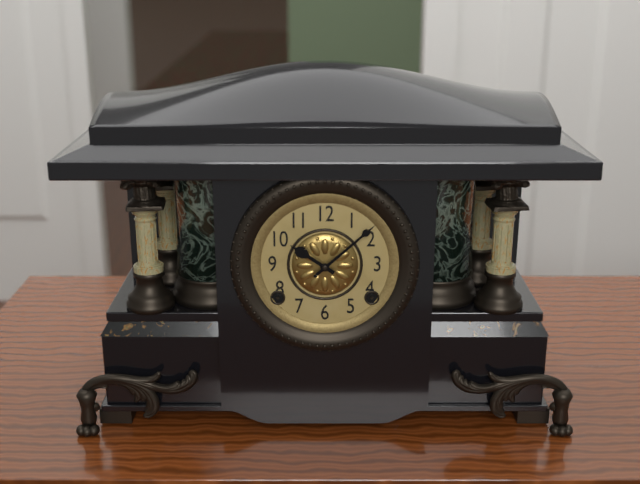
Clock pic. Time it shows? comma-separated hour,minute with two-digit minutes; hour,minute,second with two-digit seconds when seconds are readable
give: 10,08
